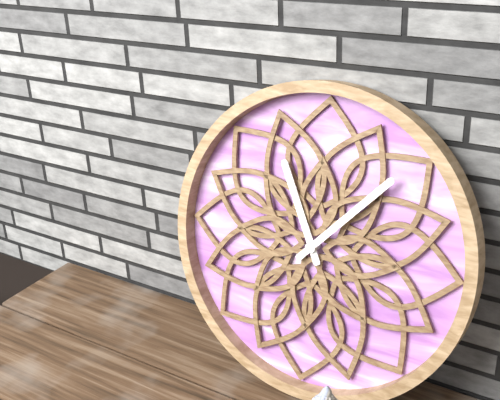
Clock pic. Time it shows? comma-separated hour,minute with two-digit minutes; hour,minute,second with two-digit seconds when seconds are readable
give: 11,07
